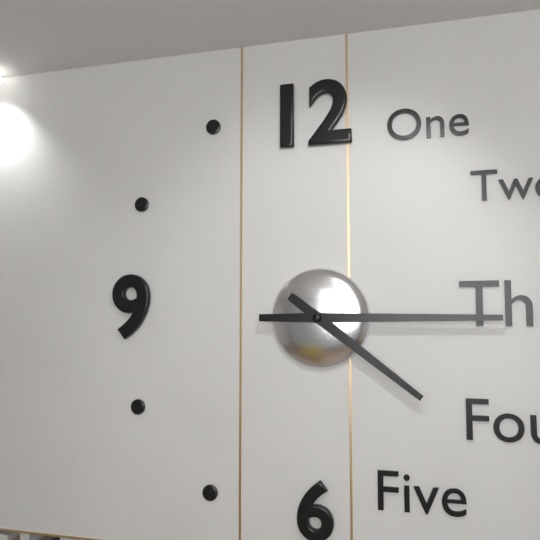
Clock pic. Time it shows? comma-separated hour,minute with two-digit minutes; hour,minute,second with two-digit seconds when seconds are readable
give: 4,15
